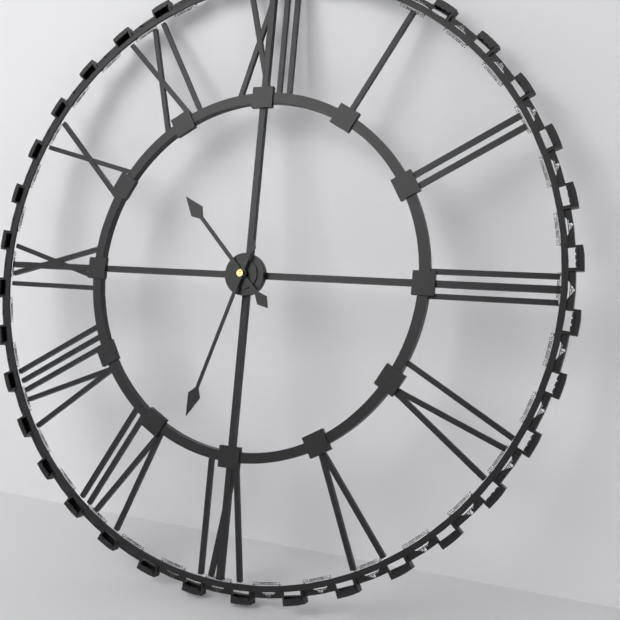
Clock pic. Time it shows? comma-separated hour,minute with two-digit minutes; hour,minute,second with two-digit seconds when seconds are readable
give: 10,33
